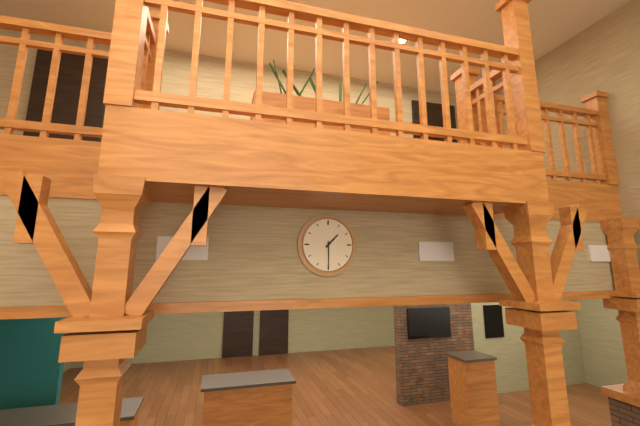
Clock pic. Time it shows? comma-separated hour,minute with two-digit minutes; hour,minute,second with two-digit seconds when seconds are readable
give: 1,30
